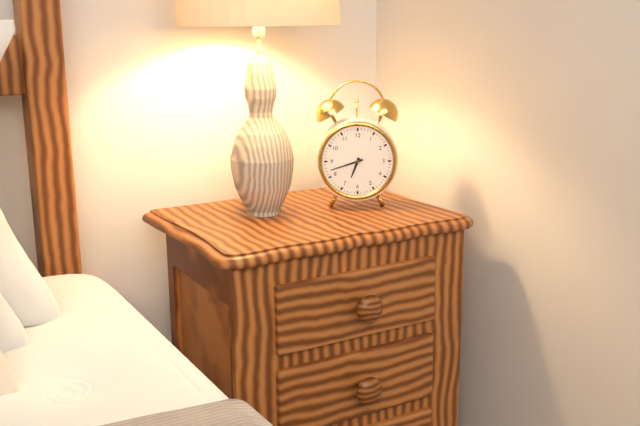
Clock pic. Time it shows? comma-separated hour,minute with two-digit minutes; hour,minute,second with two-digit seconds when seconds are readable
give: 6,42
